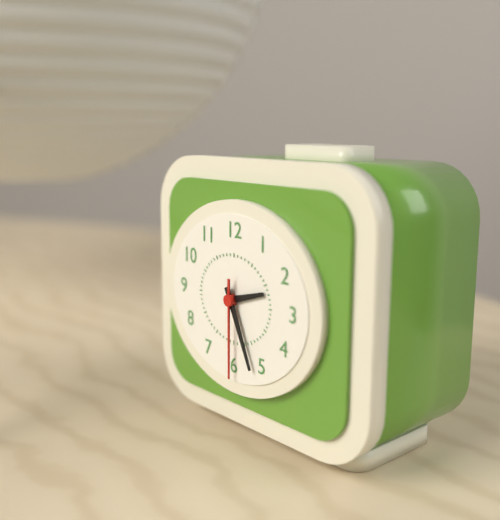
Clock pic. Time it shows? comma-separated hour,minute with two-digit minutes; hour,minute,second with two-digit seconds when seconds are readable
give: 2,26,30
